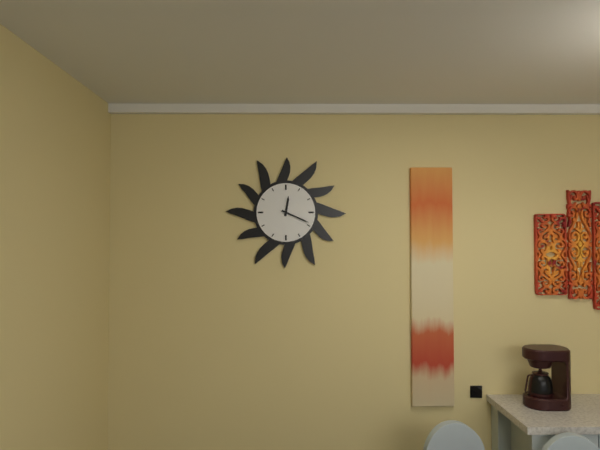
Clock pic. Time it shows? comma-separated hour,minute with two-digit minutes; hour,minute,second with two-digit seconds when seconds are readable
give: 12,19
